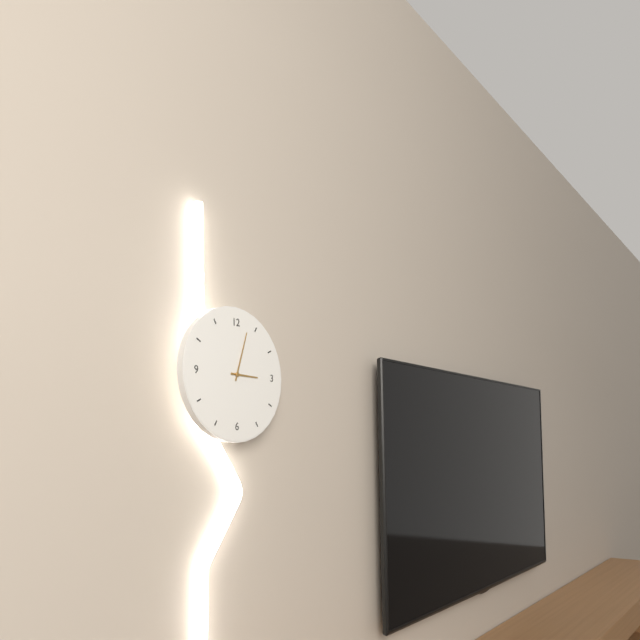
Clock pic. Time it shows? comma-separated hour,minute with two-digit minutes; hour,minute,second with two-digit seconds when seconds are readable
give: 3,03
